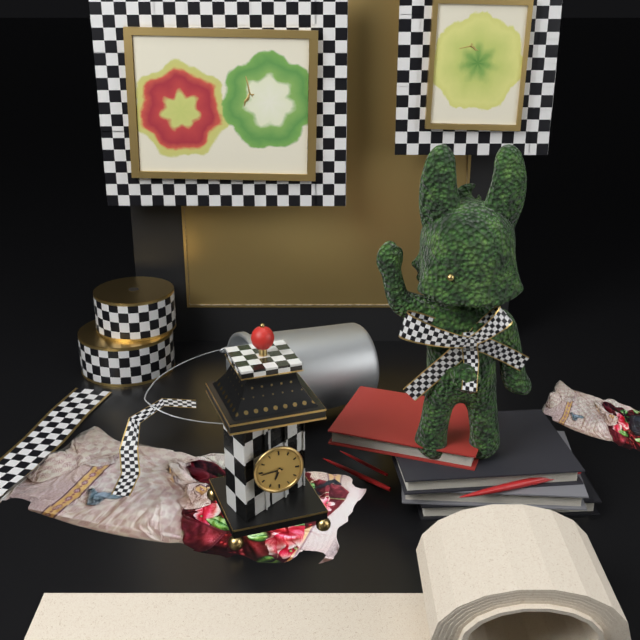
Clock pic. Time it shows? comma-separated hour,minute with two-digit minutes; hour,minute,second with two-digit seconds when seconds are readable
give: 6,44
